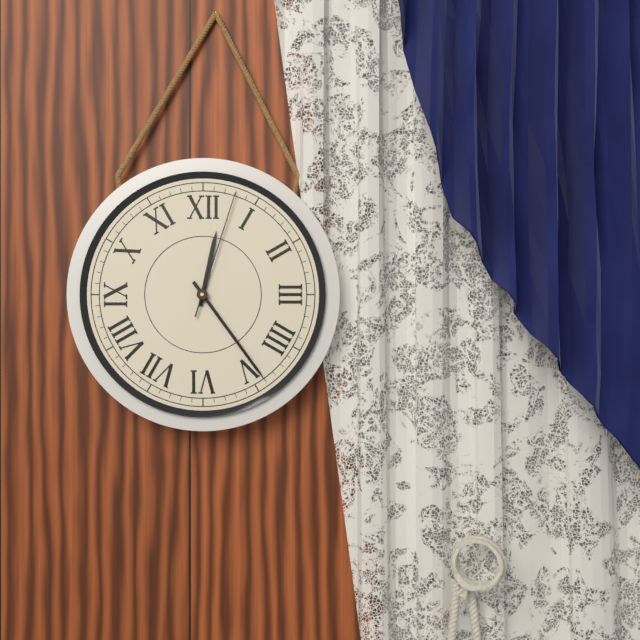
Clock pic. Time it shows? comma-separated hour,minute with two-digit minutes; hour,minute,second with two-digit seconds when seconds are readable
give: 12,24,03
